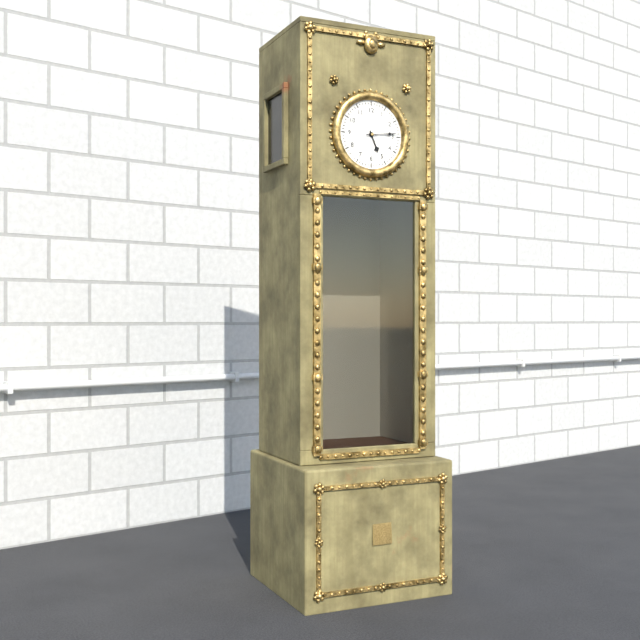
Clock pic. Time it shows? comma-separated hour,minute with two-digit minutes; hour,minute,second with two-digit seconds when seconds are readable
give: 5,14
